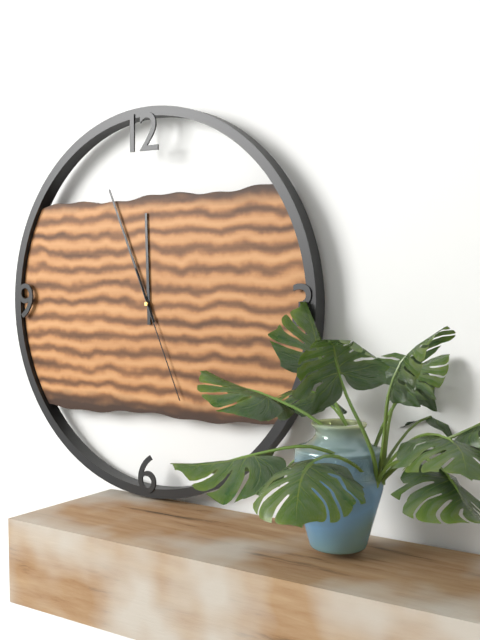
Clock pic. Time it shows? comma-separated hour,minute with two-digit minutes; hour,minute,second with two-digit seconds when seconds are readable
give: 11,56,26
